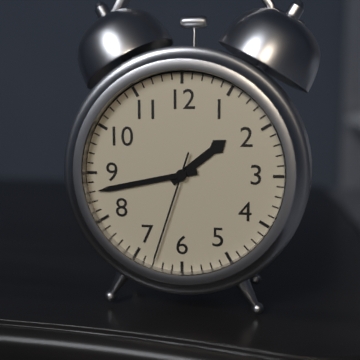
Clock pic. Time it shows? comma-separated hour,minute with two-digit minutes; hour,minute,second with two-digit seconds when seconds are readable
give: 1,43,33
